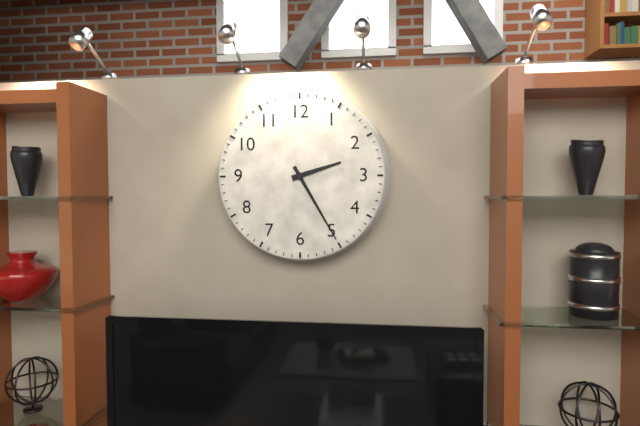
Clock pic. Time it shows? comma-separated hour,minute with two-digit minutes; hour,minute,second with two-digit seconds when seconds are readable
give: 2,25
